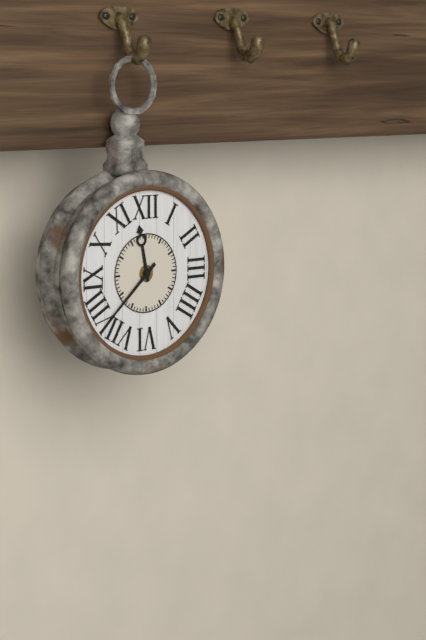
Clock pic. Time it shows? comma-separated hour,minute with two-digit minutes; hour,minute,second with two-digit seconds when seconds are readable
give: 11,38
